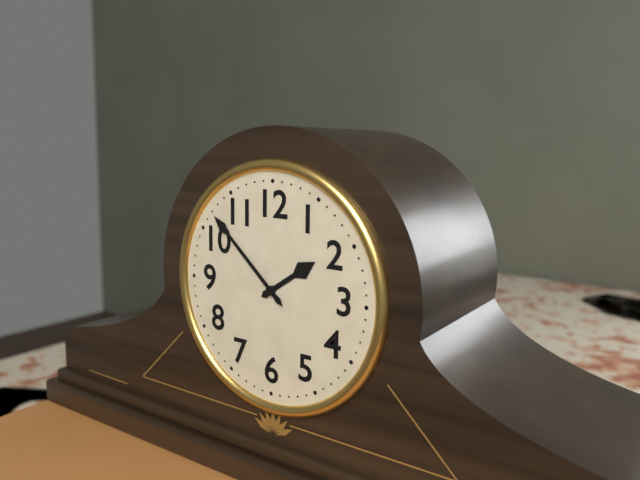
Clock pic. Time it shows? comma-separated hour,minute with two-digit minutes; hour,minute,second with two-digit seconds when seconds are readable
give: 1,52
